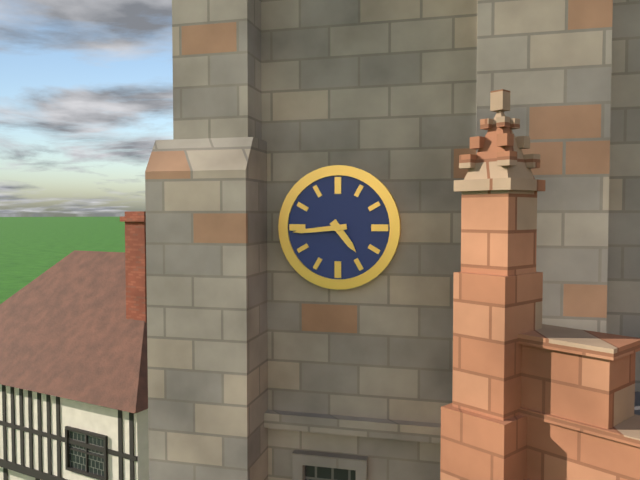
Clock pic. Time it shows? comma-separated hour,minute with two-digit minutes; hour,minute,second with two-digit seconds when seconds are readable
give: 4,44
